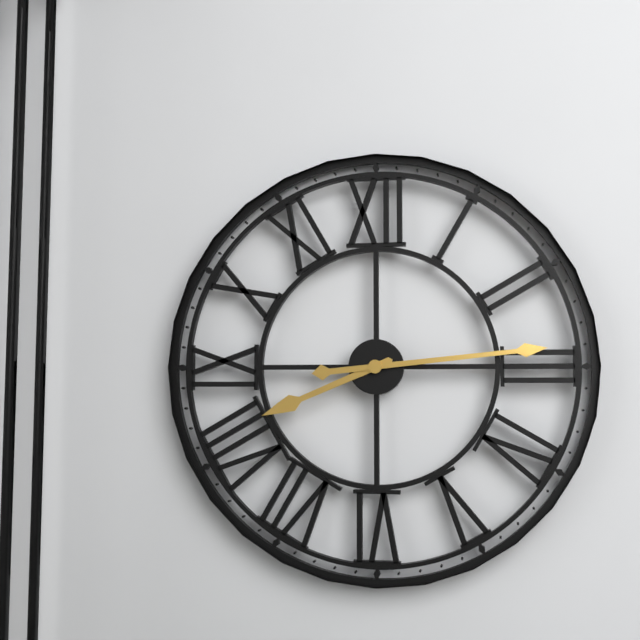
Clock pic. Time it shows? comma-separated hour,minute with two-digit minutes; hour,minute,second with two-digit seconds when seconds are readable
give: 8,14
